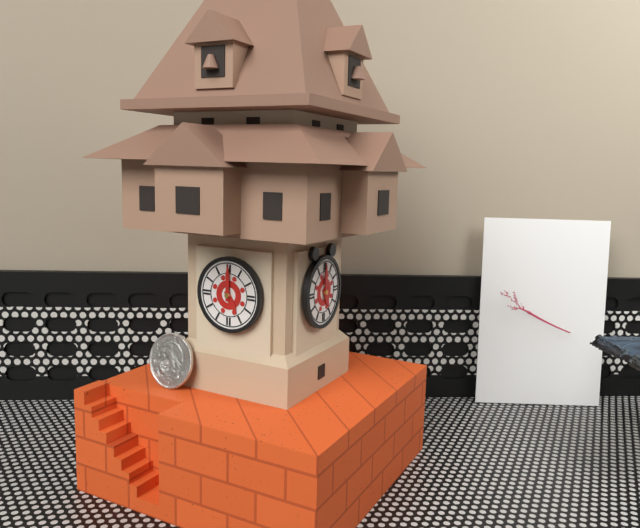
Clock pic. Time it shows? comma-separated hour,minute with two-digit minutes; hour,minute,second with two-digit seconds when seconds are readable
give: 5,00
